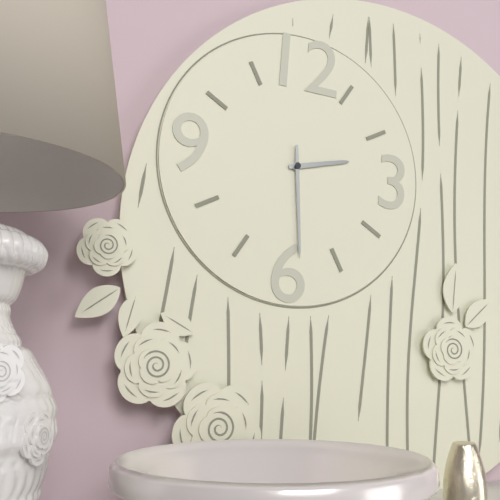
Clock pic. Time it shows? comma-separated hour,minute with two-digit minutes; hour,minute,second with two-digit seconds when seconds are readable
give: 2,29
